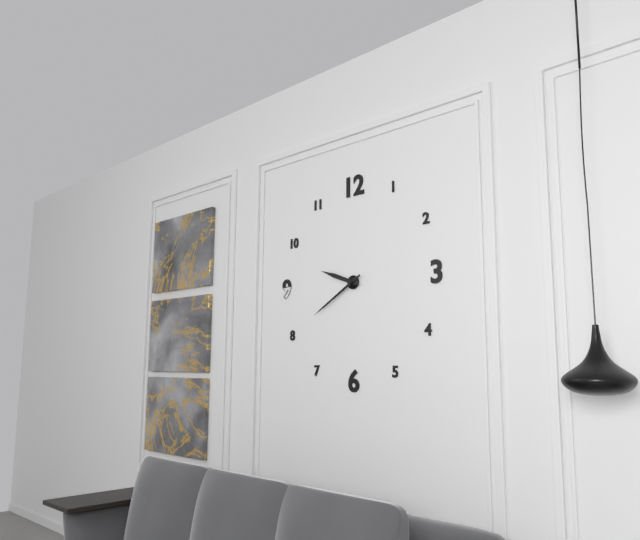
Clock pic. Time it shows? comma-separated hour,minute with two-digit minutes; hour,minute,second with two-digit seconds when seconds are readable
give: 9,40
